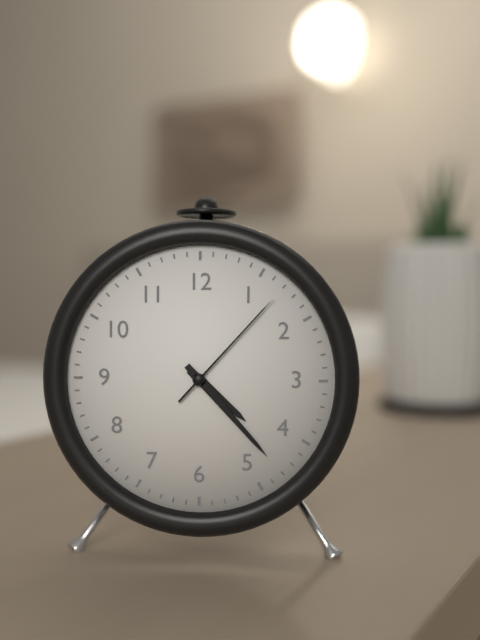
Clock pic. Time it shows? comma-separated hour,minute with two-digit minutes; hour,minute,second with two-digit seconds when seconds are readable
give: 4,23,07
